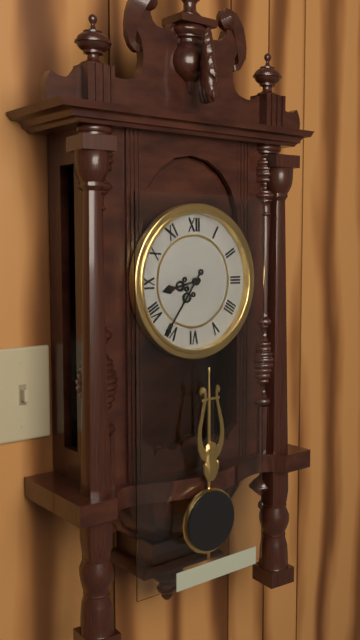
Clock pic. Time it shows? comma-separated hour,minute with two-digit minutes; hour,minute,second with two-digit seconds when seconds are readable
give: 8,36
